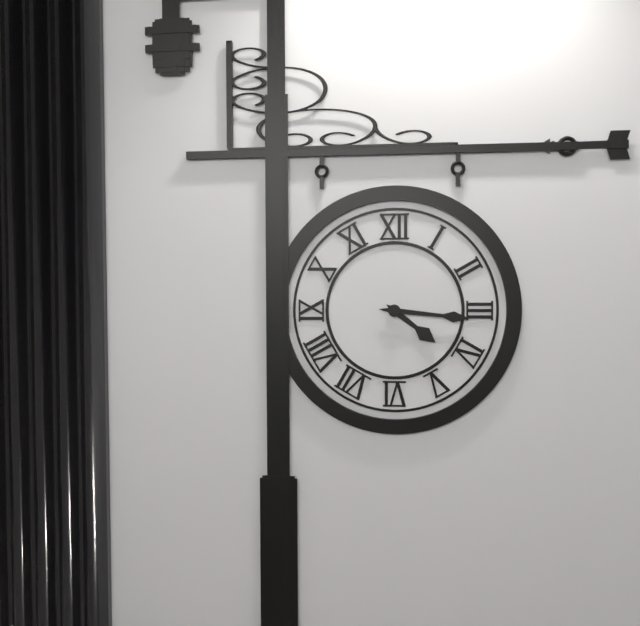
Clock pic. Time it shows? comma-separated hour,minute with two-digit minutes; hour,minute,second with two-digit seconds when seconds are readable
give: 4,16
